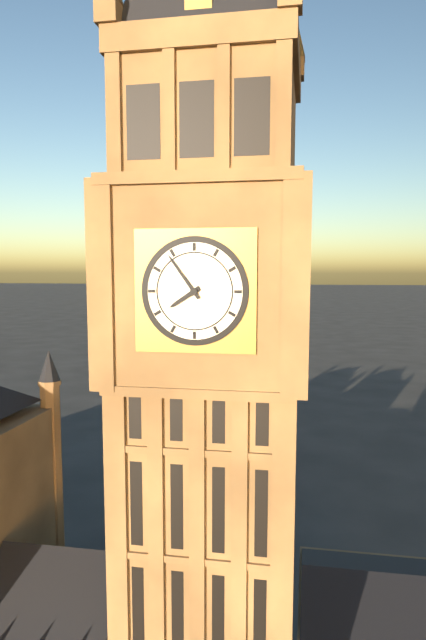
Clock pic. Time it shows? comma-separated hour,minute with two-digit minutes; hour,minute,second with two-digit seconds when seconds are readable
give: 7,54
